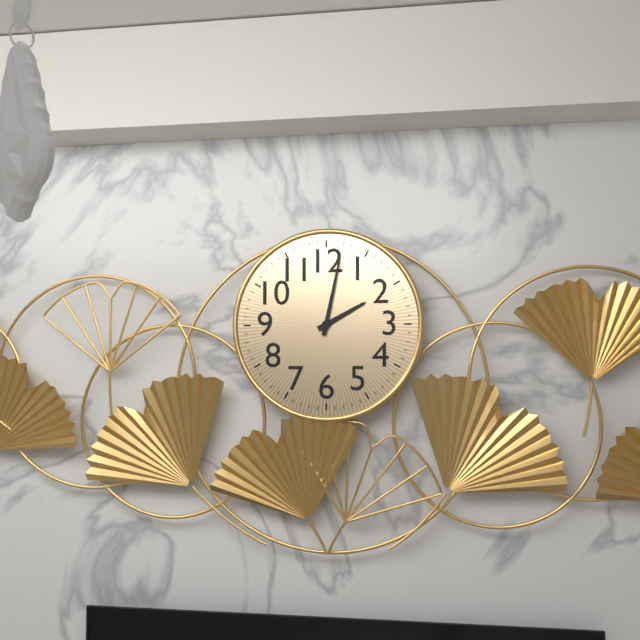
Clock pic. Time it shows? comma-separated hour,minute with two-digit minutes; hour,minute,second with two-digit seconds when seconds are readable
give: 2,02
